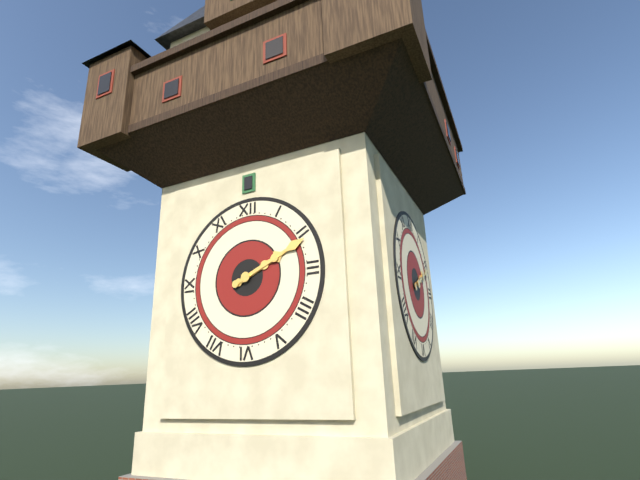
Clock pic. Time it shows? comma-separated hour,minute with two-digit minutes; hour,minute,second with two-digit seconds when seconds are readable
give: 2,11
